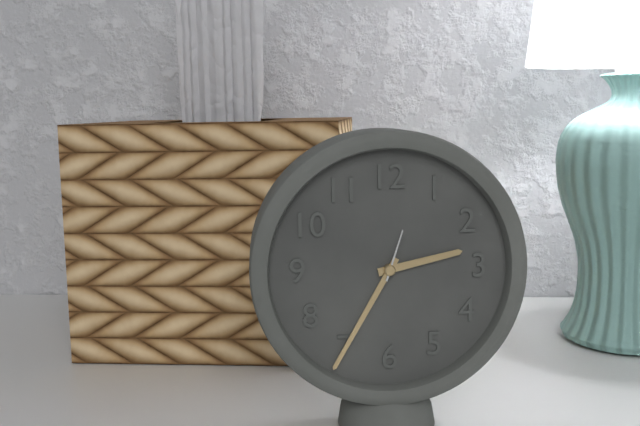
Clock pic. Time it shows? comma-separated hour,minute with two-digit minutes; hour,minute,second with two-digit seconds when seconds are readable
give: 2,35,03
